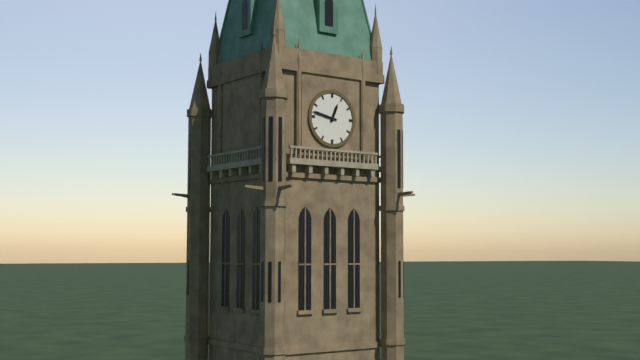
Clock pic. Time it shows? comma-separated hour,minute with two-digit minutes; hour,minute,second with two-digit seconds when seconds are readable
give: 12,47
